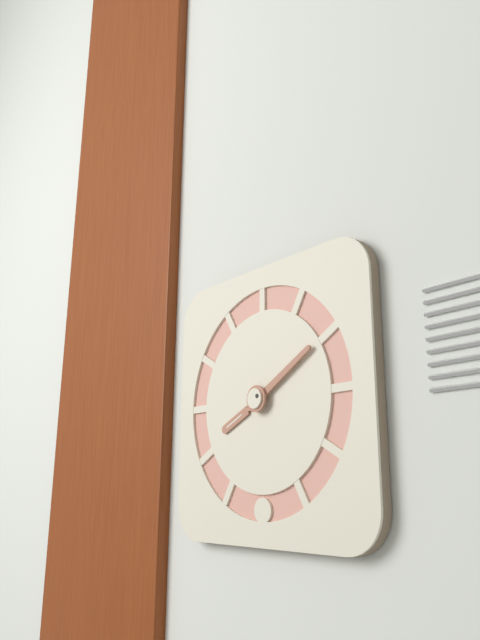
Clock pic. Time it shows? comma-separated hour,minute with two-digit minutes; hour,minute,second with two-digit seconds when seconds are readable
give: 8,10
